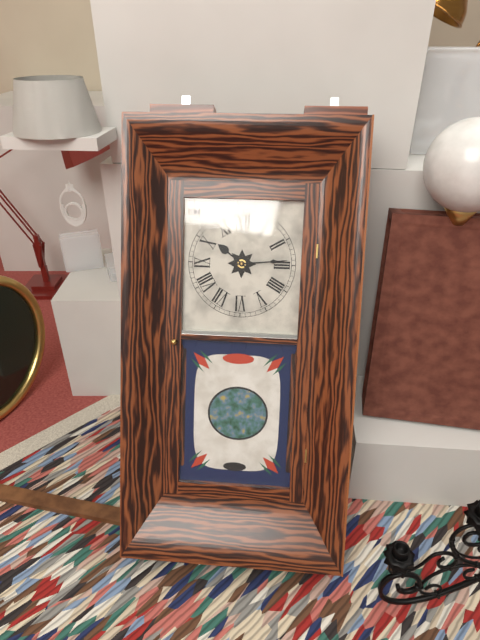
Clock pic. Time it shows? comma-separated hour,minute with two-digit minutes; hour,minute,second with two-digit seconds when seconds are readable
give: 10,14
